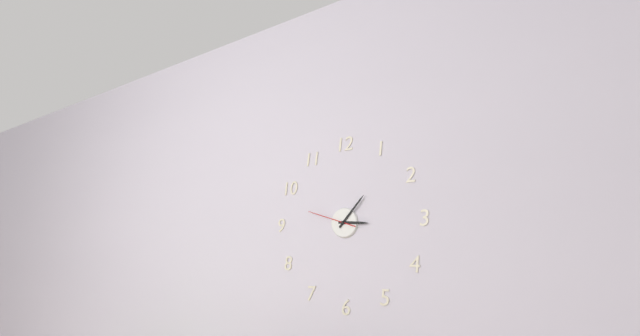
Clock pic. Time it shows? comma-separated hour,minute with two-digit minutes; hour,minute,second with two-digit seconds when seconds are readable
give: 3,07
